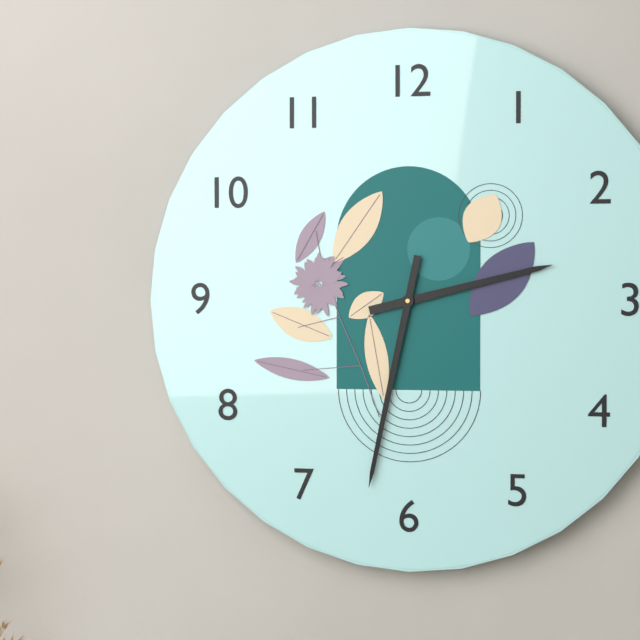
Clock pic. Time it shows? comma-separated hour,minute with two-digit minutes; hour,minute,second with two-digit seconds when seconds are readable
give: 2,32
